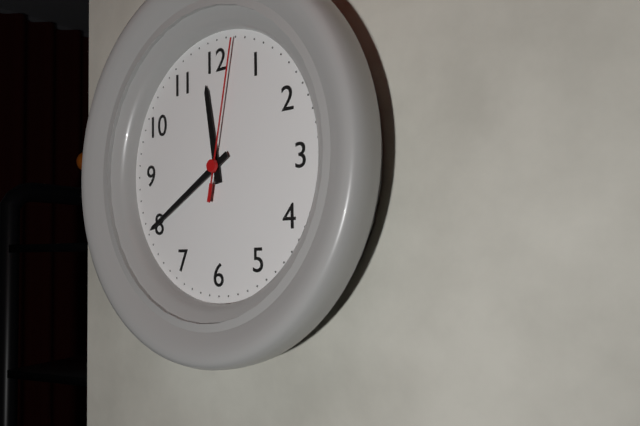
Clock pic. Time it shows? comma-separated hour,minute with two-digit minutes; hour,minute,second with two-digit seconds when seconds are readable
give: 11,40,02
